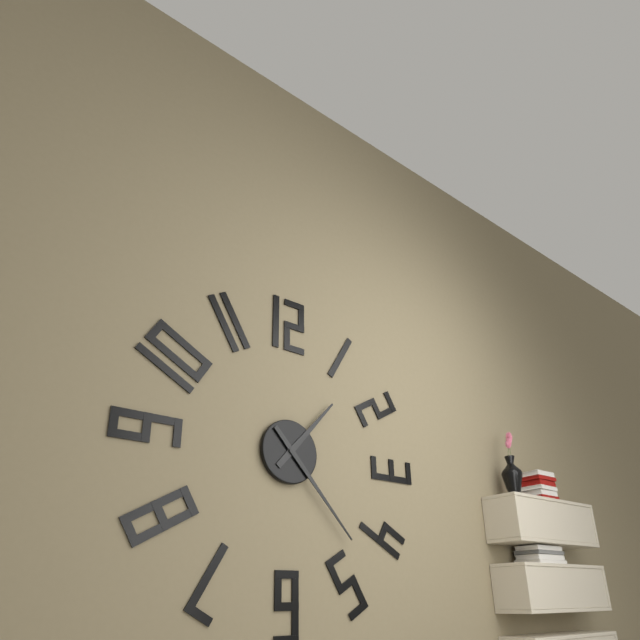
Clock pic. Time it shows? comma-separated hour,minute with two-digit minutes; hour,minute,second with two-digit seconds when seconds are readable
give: 1,23
